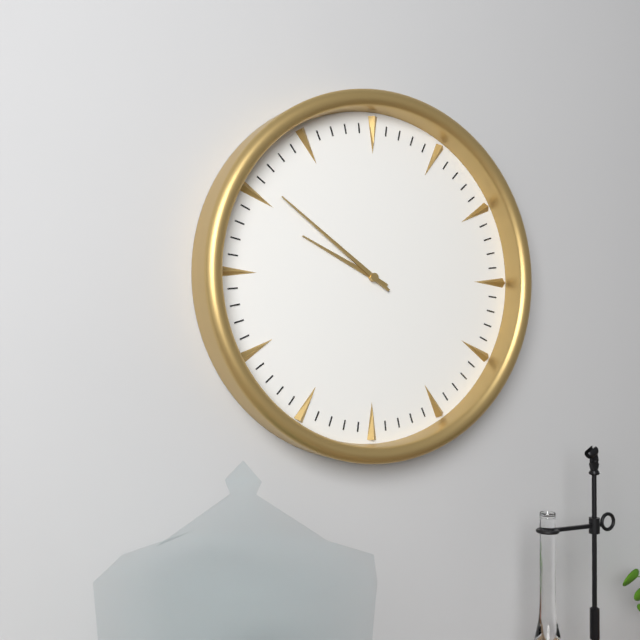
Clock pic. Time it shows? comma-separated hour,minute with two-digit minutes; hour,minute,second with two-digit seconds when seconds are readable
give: 9,51
